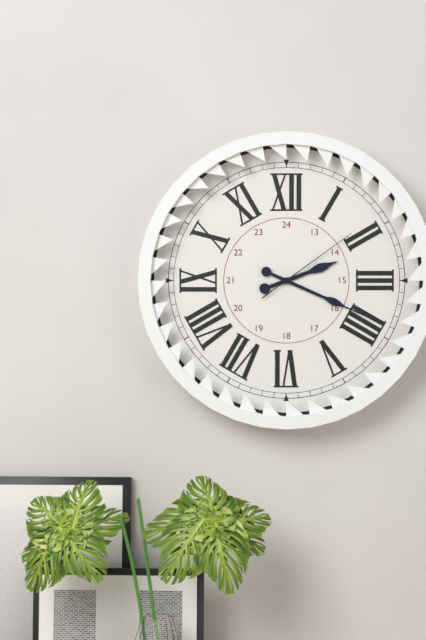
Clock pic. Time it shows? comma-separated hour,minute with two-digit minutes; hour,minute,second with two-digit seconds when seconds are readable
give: 2,19,09
